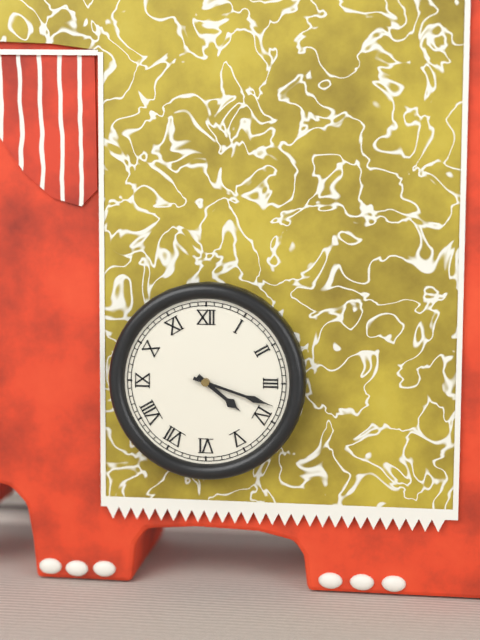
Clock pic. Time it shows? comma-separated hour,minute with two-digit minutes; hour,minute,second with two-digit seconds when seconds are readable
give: 4,18
